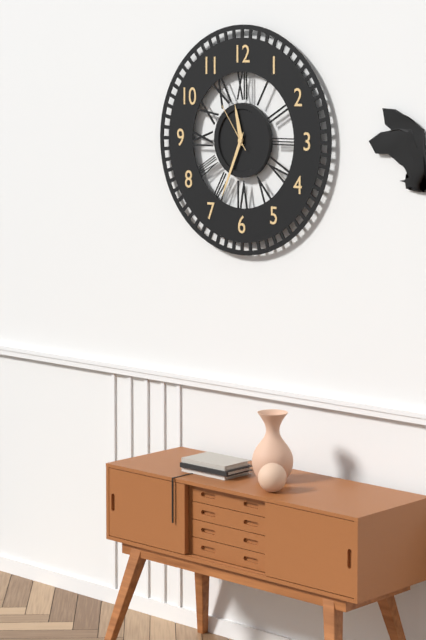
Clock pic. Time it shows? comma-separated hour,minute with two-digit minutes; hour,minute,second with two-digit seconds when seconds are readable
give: 11,34
